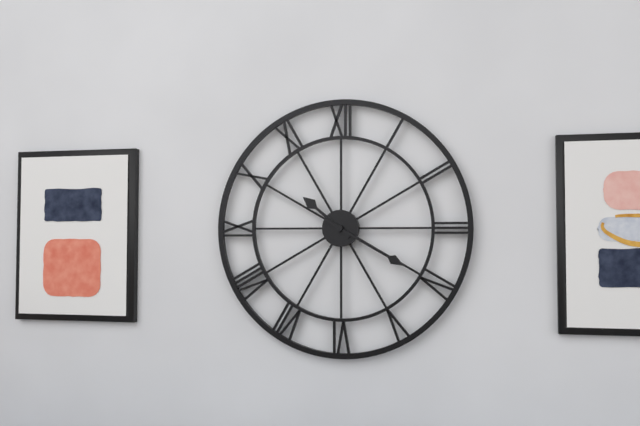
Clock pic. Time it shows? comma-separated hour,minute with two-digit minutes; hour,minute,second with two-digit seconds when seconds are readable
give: 10,20
